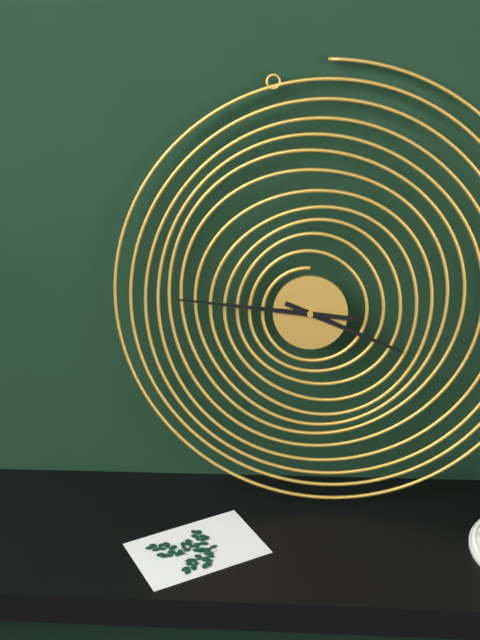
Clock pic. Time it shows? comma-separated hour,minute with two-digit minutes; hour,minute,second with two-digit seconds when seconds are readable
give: 3,46
